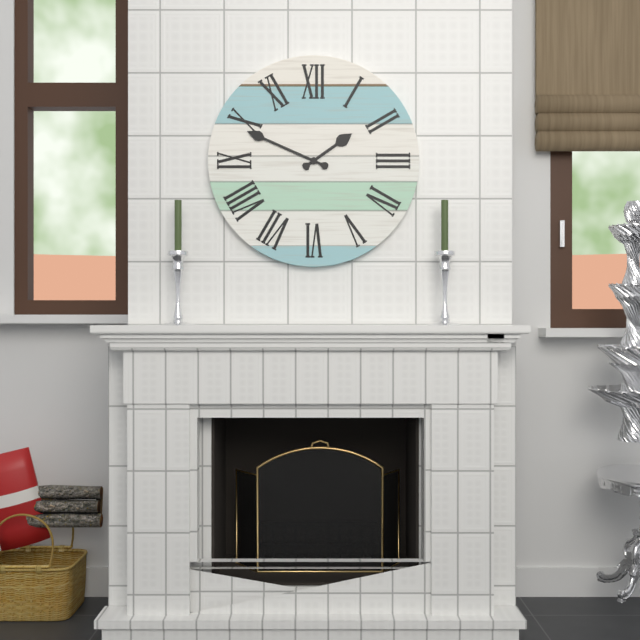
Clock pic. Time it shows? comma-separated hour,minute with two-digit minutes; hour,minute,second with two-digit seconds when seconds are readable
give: 1,49
